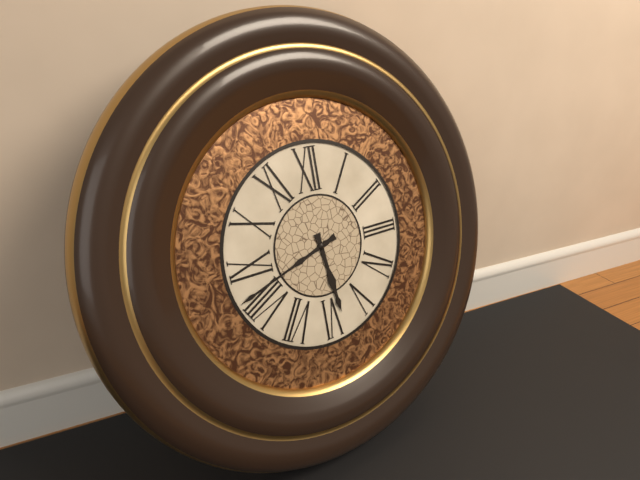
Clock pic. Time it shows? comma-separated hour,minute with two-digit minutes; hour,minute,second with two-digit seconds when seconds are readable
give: 5,42
